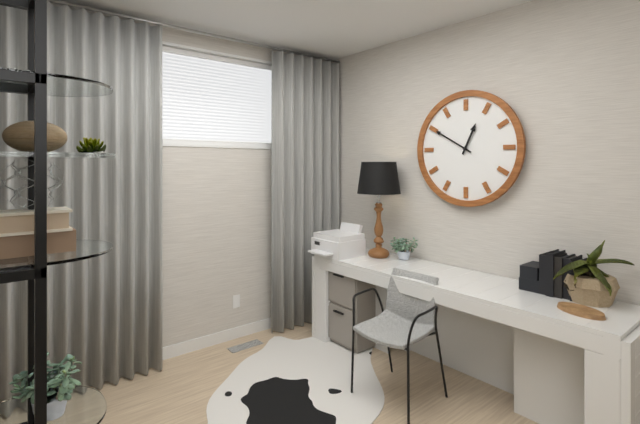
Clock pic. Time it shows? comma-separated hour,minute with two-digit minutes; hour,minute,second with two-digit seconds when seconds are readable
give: 12,50
